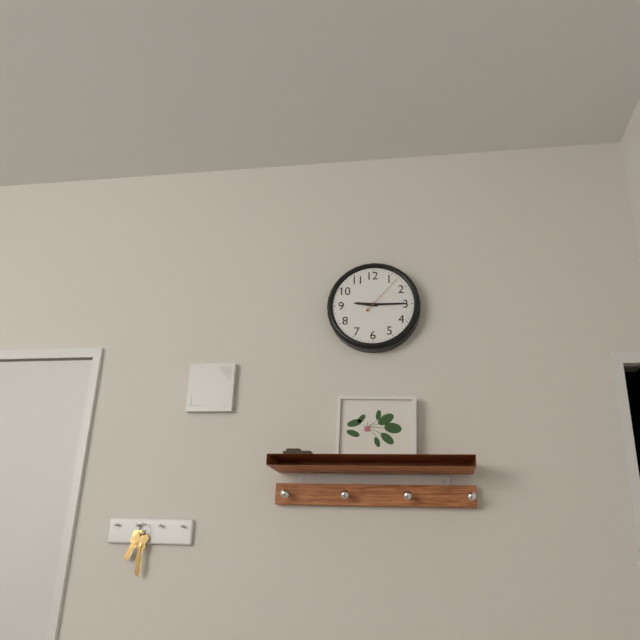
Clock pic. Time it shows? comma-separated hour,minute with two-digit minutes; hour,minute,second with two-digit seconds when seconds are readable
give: 9,15
